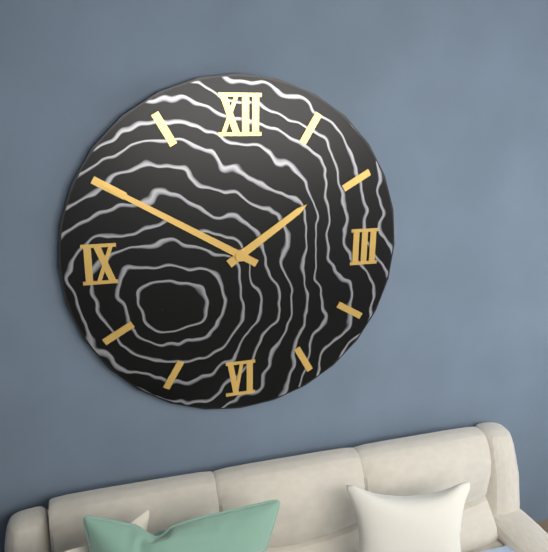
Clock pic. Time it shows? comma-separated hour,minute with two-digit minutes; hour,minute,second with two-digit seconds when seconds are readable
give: 1,50
